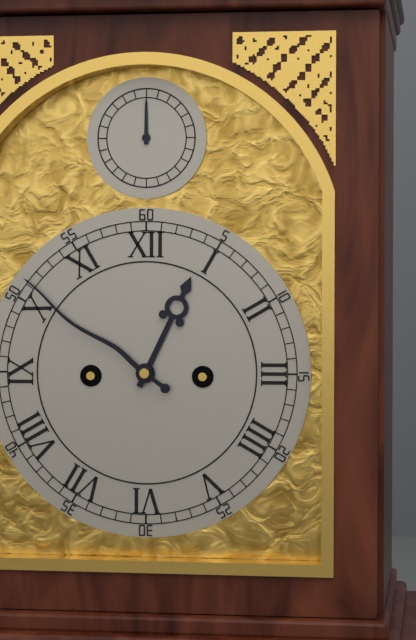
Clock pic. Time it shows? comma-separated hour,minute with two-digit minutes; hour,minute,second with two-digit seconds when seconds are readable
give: 12,51
